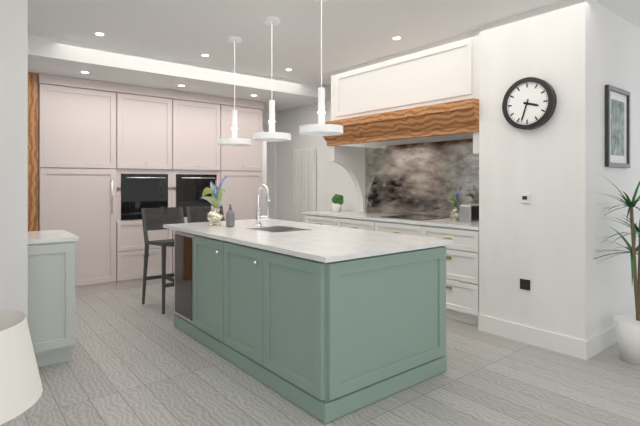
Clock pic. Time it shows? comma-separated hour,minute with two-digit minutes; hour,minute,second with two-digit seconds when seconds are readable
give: 3,33
